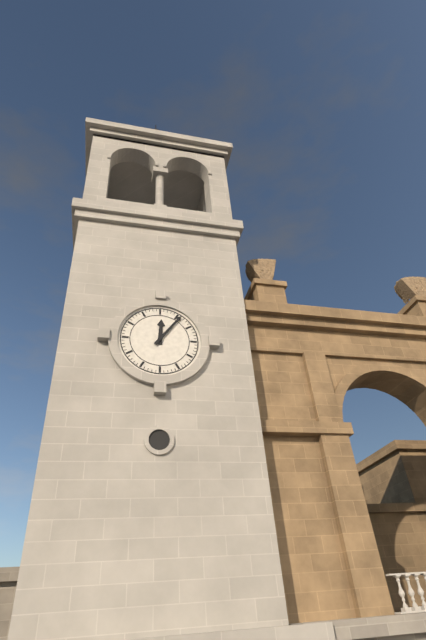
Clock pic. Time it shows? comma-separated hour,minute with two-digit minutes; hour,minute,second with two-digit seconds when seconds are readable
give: 12,06
